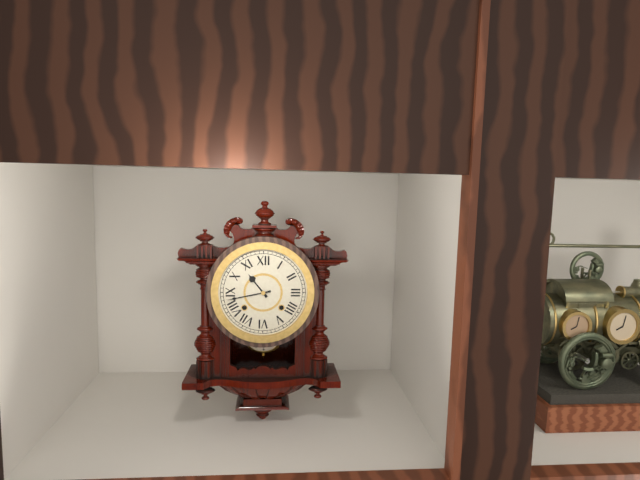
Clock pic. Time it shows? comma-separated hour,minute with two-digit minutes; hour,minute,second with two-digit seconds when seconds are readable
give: 10,43
